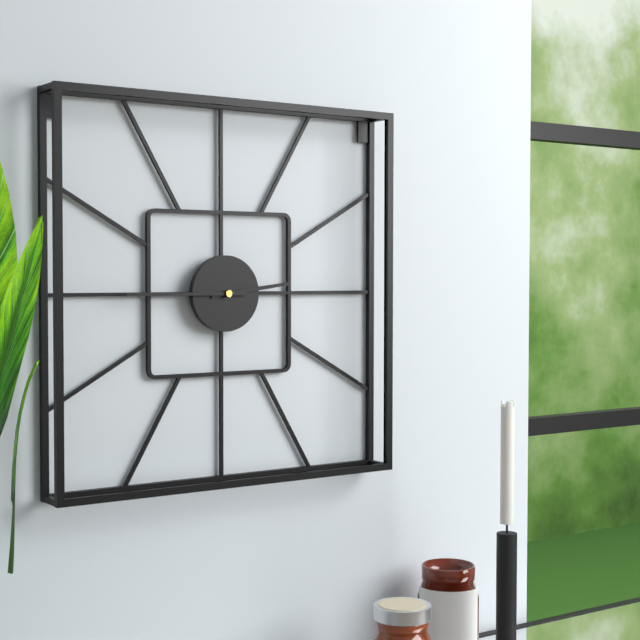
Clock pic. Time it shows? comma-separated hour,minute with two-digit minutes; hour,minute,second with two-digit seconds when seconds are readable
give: 2,45
